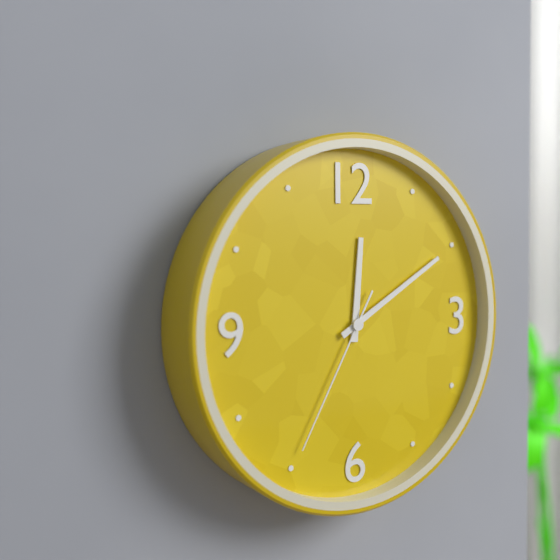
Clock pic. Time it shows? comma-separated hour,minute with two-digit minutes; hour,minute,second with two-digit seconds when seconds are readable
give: 12,10,35
